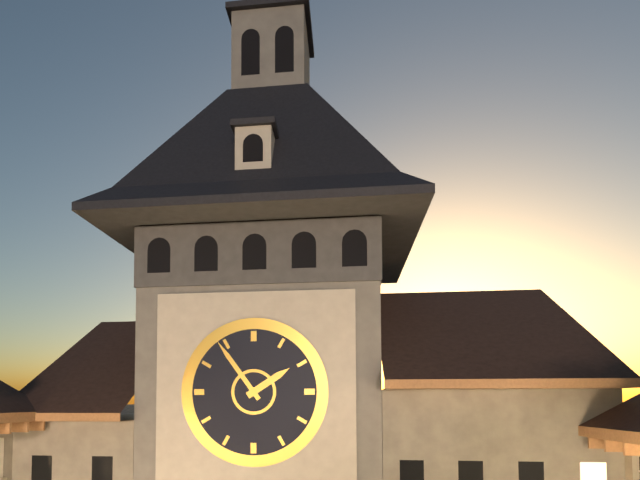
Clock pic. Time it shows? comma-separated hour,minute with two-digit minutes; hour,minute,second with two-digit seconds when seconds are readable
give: 1,54
